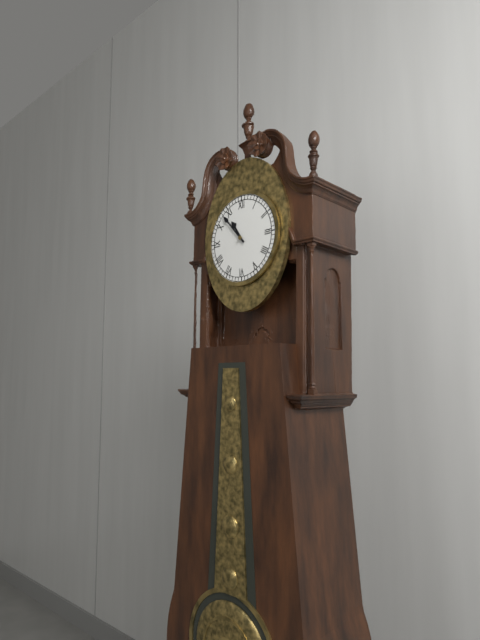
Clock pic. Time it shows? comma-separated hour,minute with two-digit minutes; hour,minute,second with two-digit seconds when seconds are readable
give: 10,53
